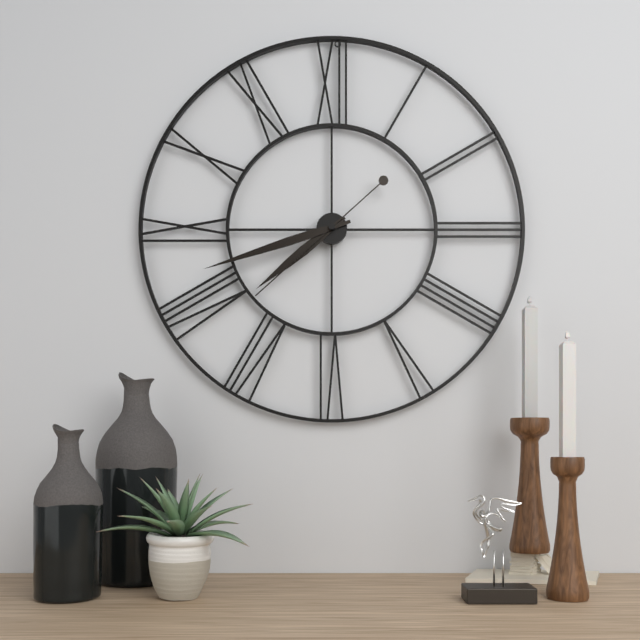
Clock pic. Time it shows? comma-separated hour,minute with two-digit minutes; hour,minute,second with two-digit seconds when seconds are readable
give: 7,42,38
